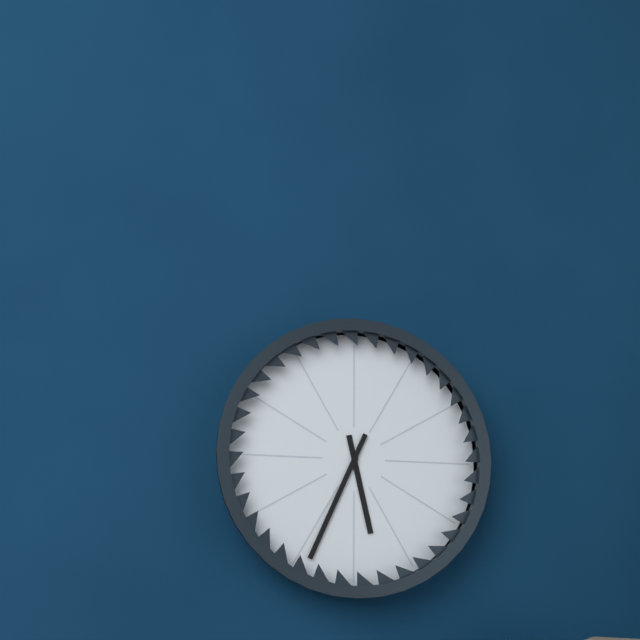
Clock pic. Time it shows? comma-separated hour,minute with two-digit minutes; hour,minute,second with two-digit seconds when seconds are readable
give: 5,34
